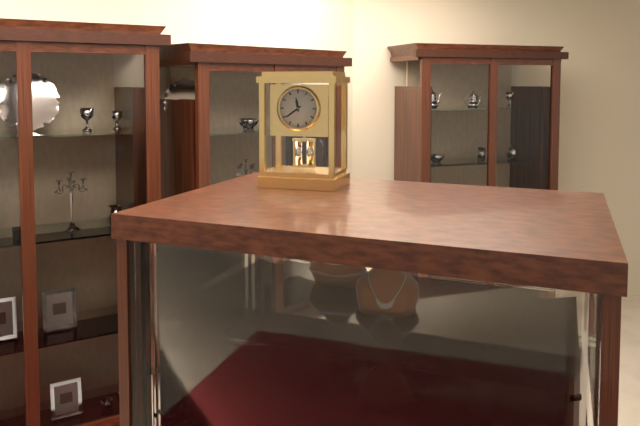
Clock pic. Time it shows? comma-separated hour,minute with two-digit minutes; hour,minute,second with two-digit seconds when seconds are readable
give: 11,39
